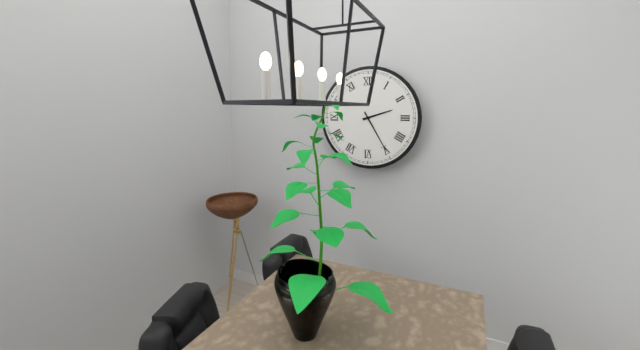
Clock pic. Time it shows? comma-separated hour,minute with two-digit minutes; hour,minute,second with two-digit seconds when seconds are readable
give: 2,25
